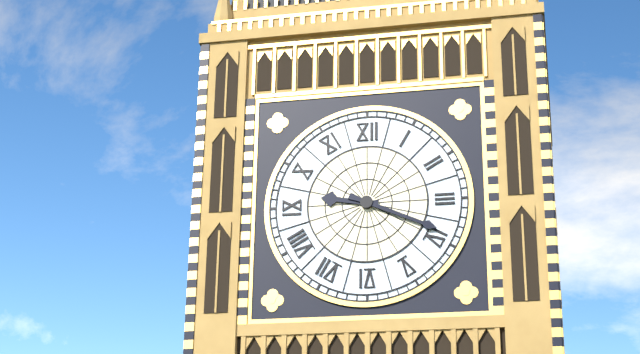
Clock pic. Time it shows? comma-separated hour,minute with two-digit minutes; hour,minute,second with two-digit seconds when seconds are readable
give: 9,19
